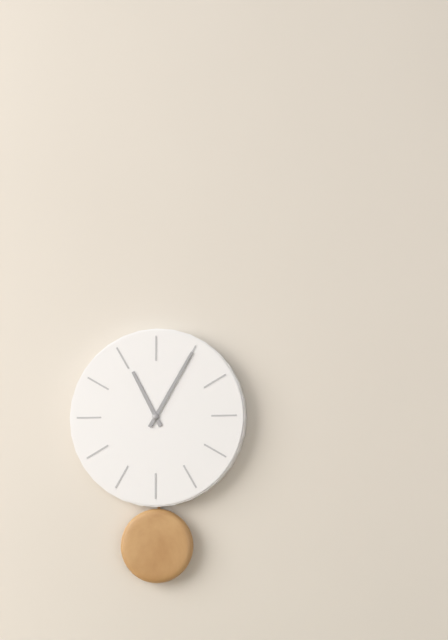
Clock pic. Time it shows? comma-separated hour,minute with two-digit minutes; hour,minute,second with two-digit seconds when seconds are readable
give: 11,05
